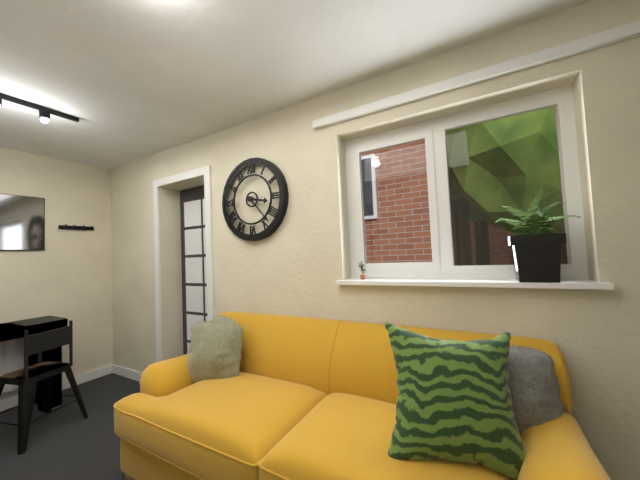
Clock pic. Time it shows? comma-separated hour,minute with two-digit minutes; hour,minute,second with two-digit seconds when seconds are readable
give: 3,23
